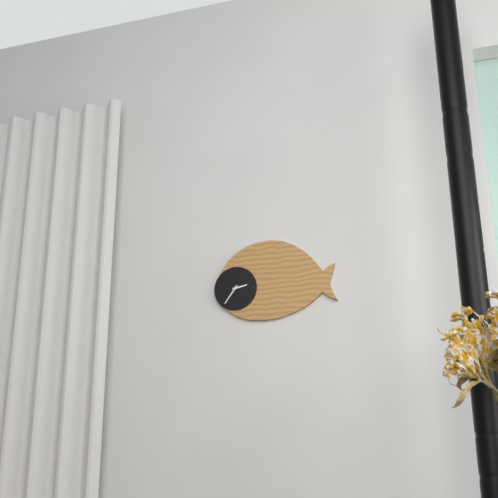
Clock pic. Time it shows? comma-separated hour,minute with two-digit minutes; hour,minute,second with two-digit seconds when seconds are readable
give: 2,36
